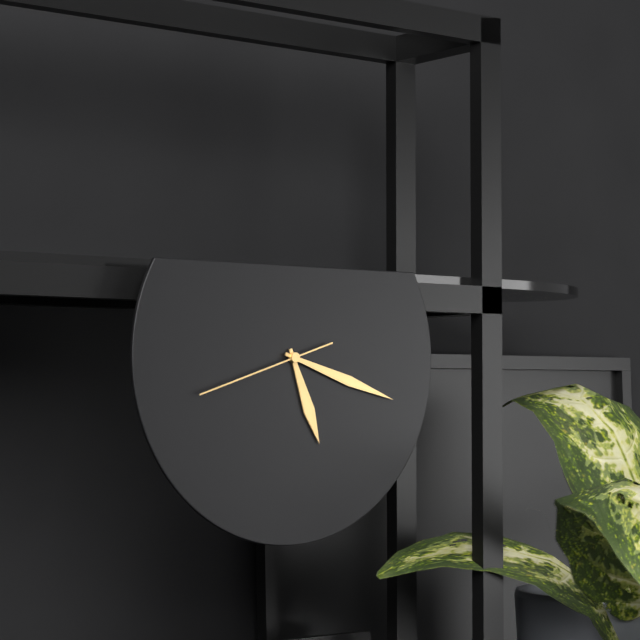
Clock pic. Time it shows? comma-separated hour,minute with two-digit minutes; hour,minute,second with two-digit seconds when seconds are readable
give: 5,18,42
